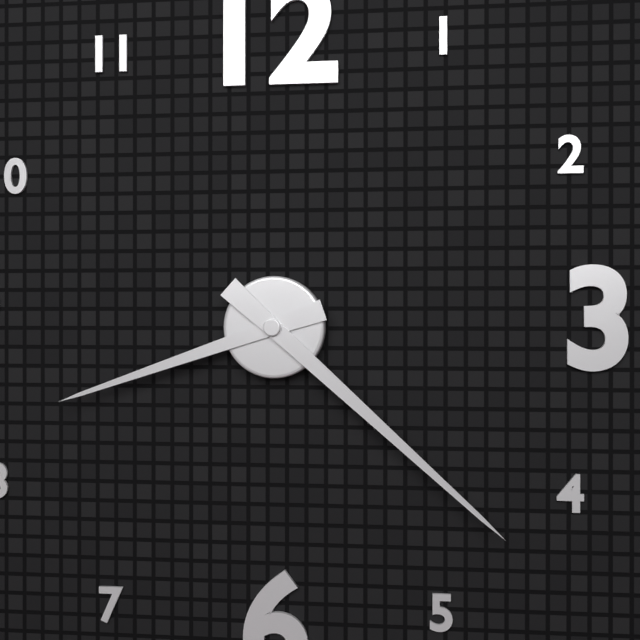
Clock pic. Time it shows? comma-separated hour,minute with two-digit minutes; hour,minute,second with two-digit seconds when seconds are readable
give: 8,22
